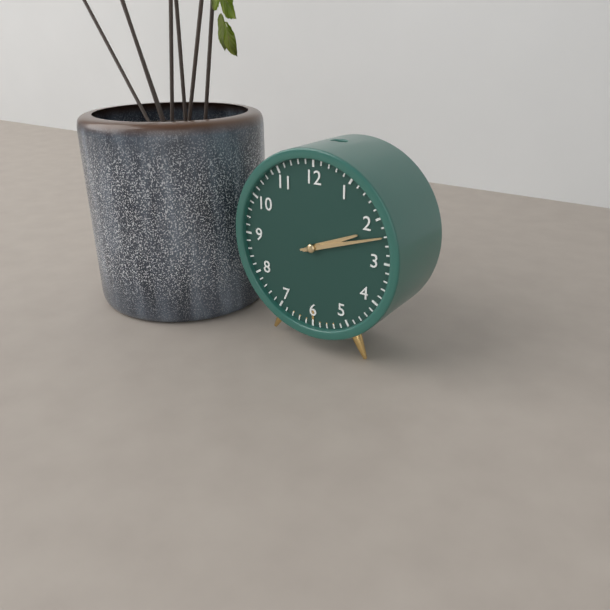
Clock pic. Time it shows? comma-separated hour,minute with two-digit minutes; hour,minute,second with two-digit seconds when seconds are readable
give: 2,12
